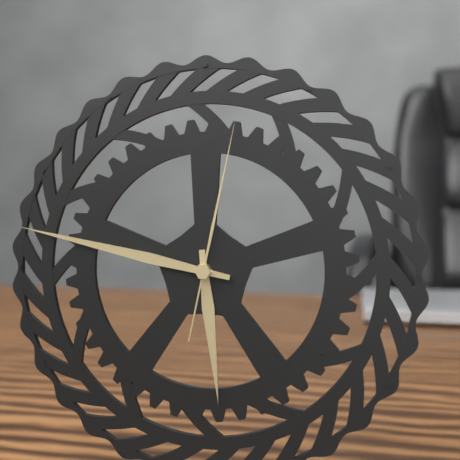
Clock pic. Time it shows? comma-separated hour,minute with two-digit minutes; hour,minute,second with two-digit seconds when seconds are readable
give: 5,47,02
